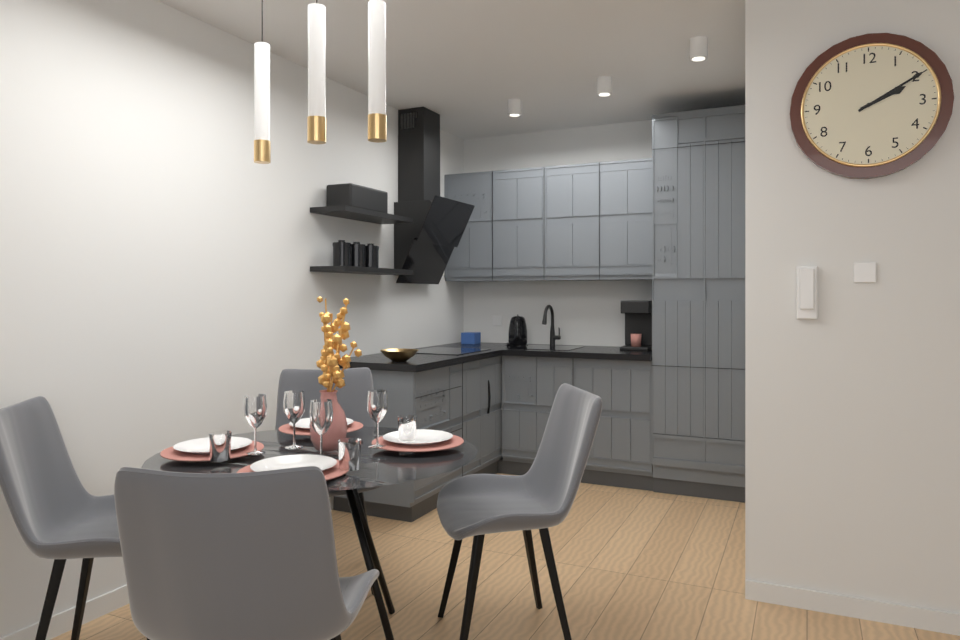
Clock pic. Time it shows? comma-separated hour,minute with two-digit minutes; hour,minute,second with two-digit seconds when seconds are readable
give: 2,10
